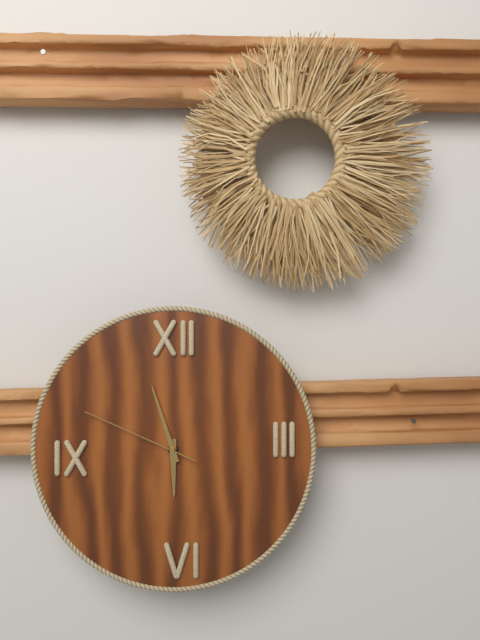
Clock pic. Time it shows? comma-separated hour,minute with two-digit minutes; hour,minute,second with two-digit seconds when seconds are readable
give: 5,57,49
